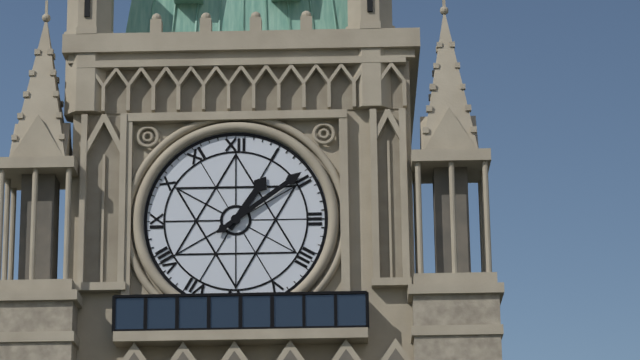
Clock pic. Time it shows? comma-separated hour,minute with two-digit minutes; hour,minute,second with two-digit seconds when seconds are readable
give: 1,09
